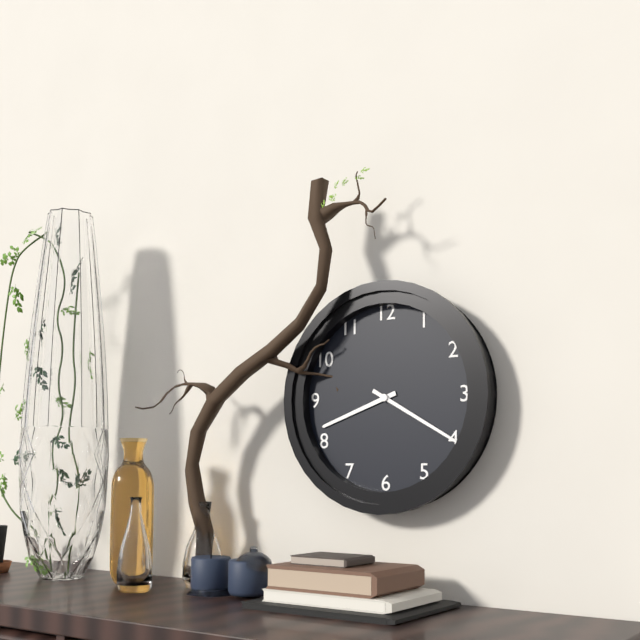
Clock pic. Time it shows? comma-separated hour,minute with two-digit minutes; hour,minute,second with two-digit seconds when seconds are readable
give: 8,20
